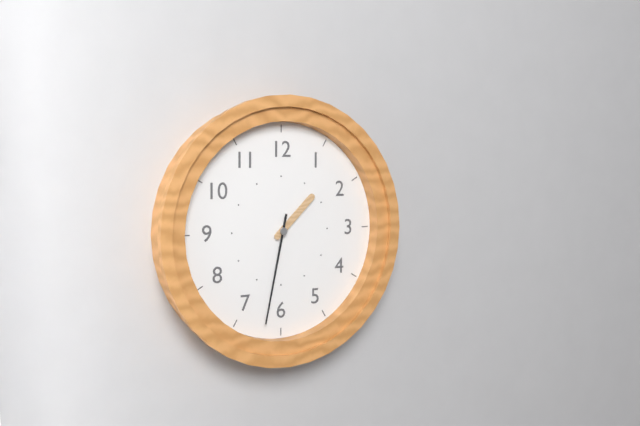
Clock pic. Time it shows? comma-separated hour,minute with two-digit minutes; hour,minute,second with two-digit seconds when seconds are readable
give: 1,32
